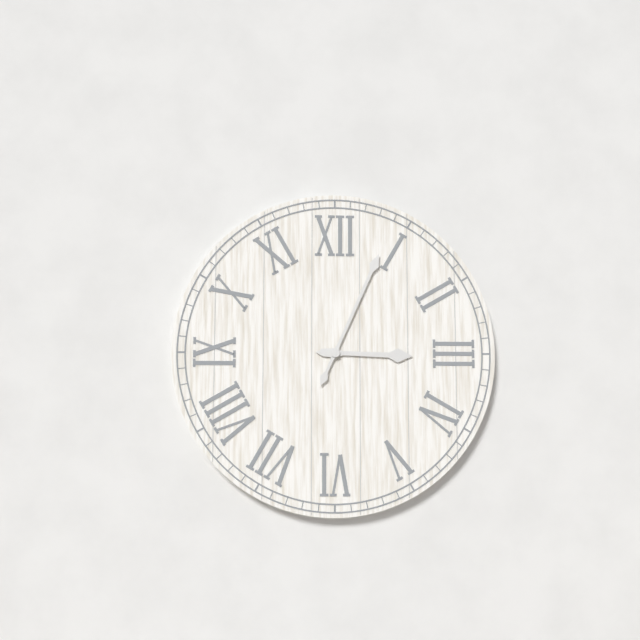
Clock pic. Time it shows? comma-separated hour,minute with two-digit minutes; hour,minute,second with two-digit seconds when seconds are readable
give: 3,04
